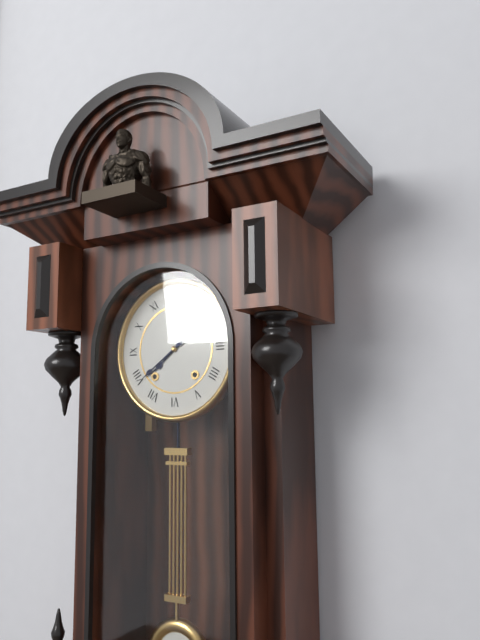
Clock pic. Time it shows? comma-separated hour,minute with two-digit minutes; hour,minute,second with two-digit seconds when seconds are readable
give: 7,39
